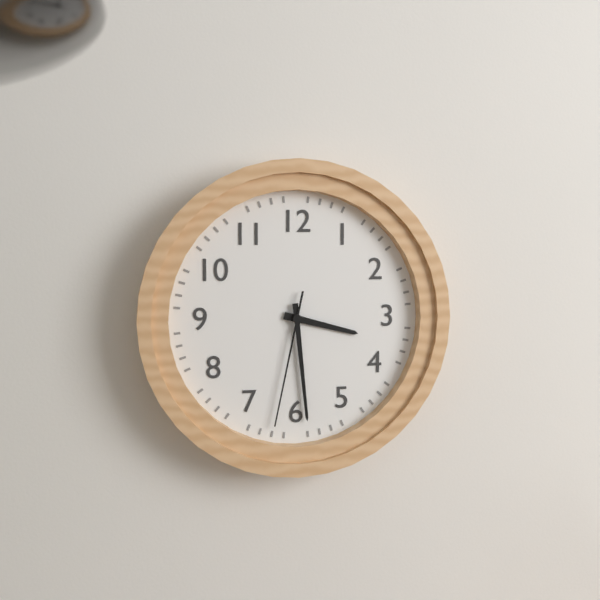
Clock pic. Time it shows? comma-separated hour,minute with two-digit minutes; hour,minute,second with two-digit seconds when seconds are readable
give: 3,29,32
